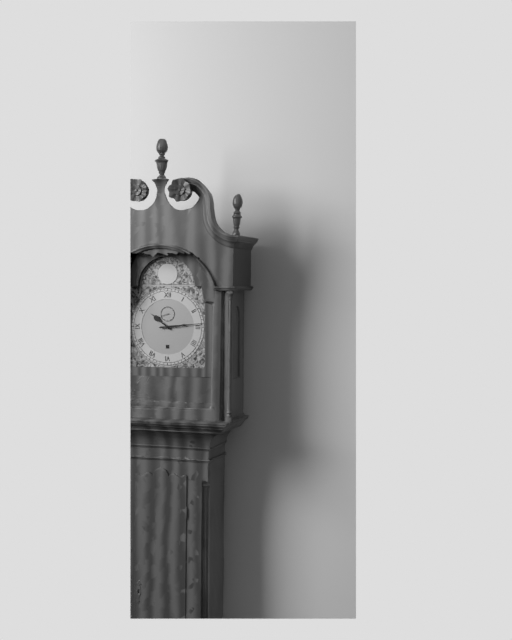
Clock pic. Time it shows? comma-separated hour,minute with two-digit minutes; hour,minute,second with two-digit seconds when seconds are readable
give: 10,14
